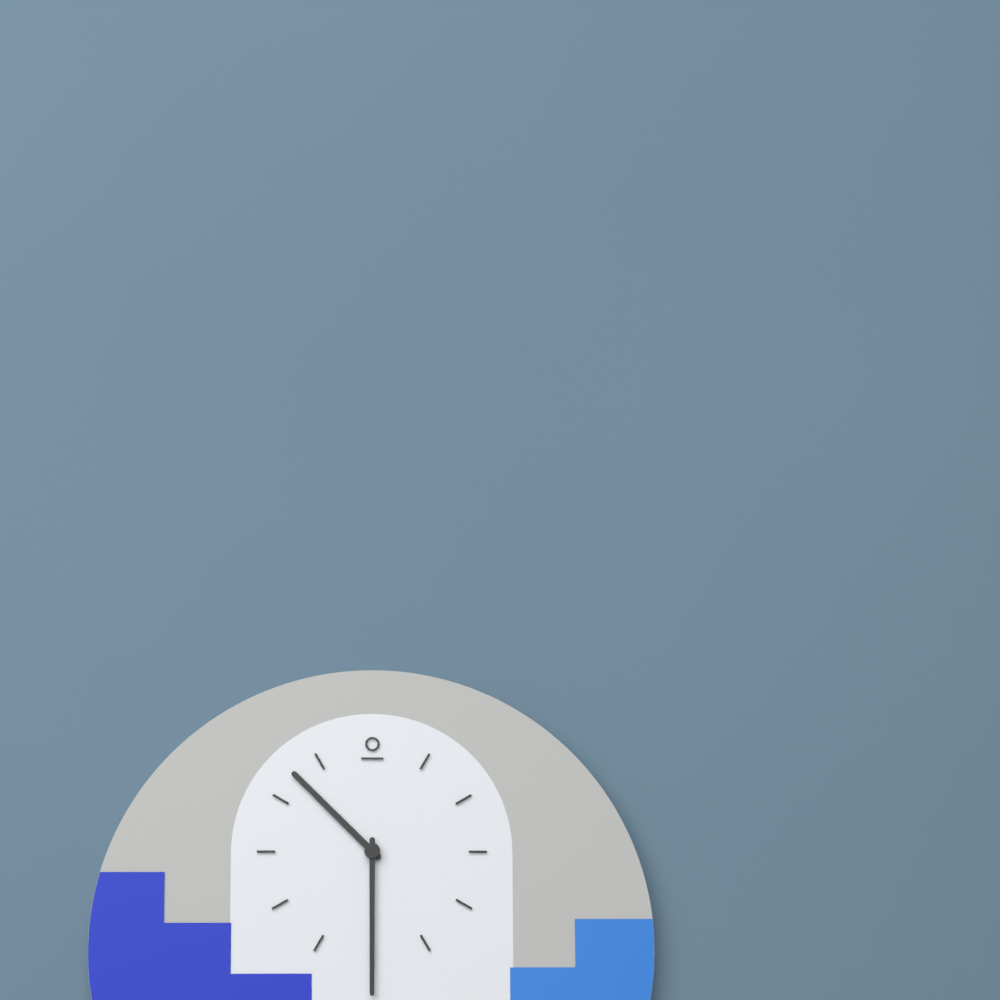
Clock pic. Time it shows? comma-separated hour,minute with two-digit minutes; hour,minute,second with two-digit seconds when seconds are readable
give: 10,30
